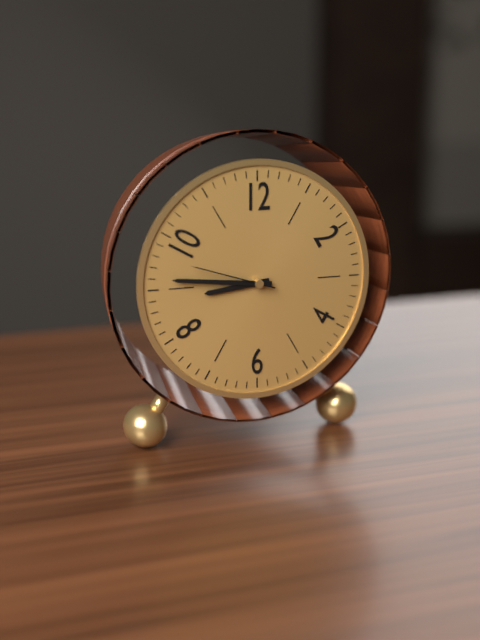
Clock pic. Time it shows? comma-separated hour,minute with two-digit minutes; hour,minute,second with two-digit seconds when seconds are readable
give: 8,46,48
